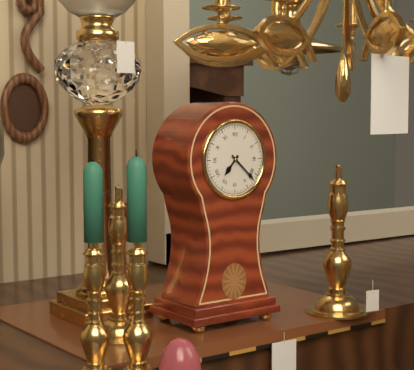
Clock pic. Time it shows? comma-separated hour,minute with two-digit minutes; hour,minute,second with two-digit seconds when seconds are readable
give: 7,22
